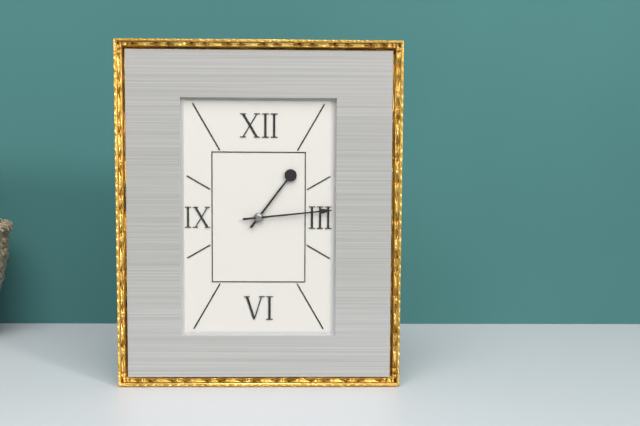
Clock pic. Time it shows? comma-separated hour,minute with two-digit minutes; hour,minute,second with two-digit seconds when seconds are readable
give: 1,14
